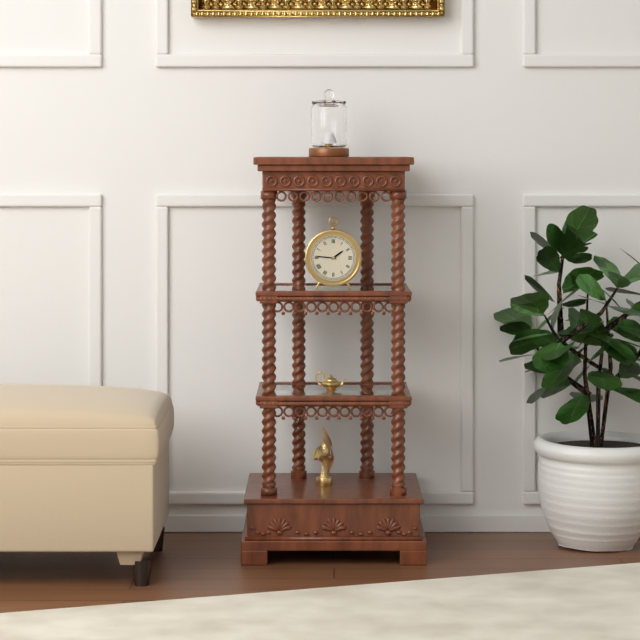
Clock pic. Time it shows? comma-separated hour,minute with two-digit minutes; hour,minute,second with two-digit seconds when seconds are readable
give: 1,46
